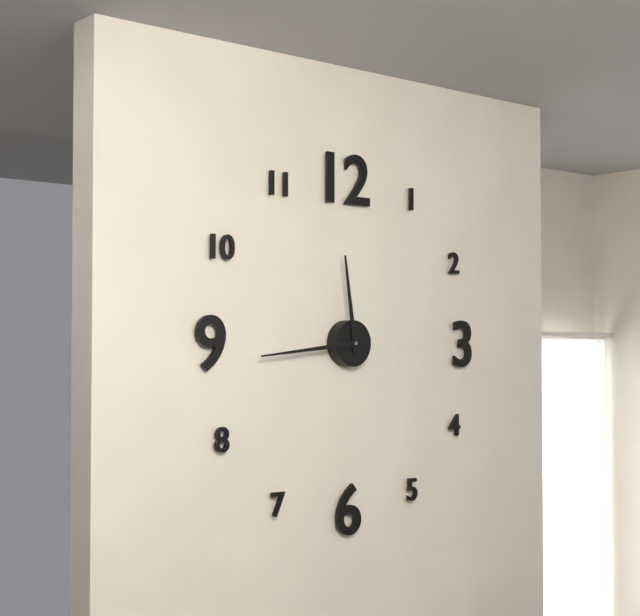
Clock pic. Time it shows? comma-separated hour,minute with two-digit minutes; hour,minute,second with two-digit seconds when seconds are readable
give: 11,44
